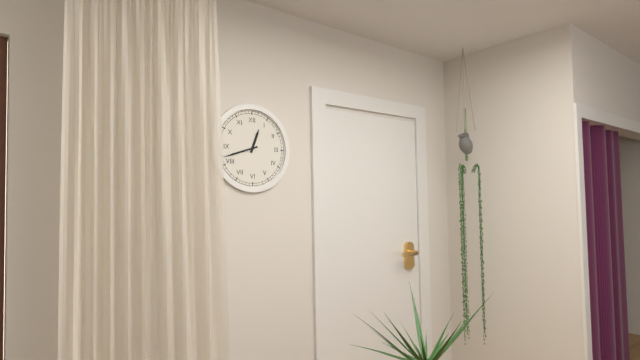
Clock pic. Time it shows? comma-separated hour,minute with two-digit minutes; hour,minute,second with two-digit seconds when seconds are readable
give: 12,42
